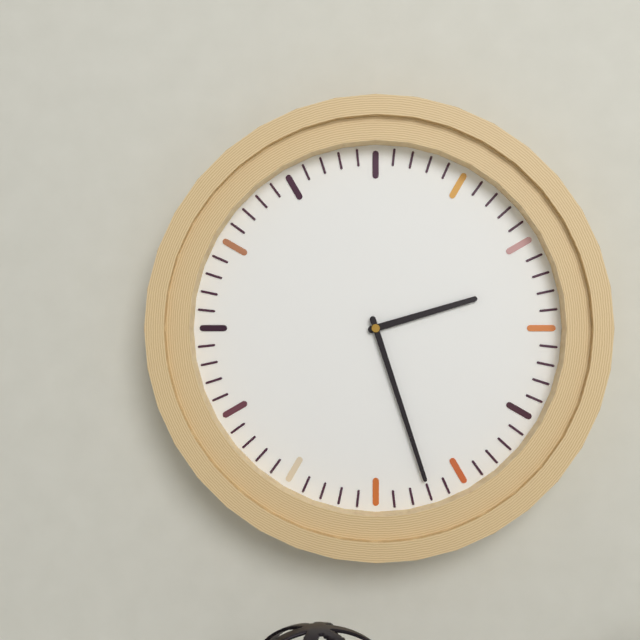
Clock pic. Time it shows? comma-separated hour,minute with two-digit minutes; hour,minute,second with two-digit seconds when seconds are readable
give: 2,27
